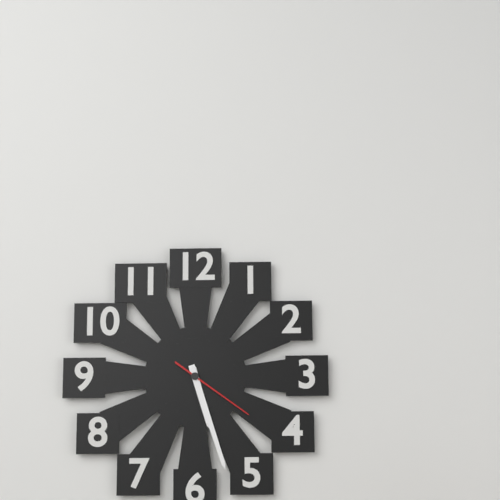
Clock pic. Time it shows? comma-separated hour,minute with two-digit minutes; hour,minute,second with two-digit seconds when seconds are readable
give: 5,27,21
